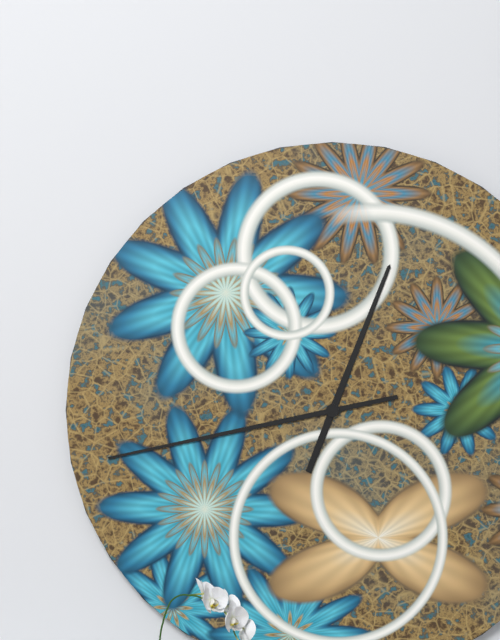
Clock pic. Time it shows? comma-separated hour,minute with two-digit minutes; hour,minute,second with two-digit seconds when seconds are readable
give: 12,43
